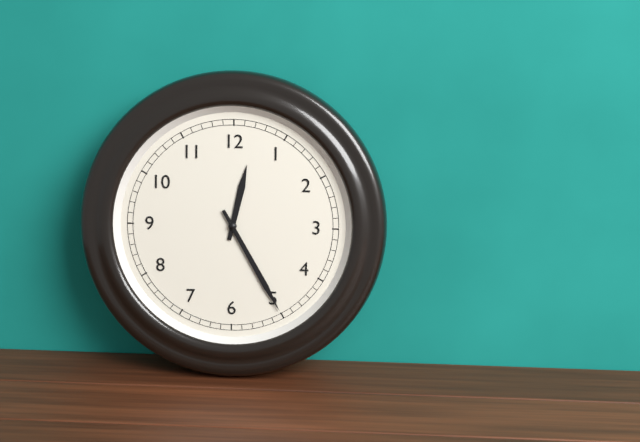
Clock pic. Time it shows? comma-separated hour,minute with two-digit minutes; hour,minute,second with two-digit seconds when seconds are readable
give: 12,25
